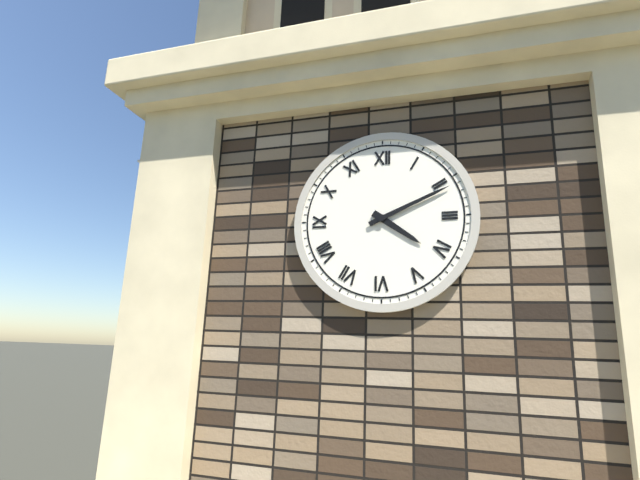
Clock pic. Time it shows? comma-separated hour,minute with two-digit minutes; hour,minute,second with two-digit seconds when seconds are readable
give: 4,11
